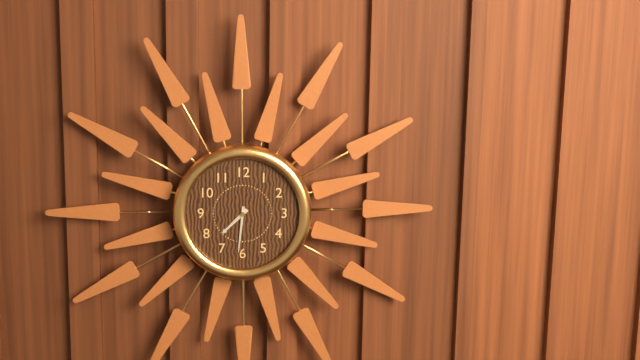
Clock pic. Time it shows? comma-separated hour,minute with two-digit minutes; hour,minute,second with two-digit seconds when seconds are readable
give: 7,31
